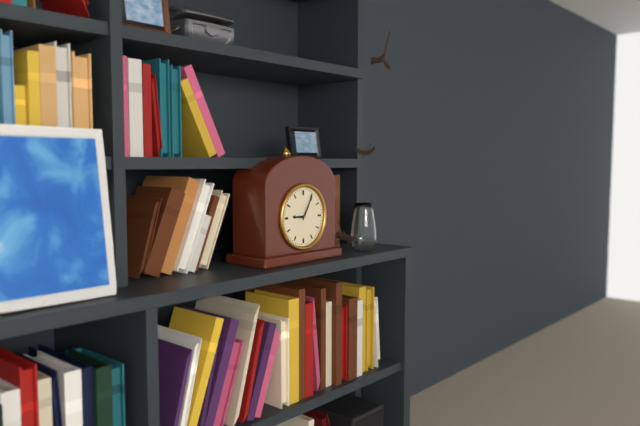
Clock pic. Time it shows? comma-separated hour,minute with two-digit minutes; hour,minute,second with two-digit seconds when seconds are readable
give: 9,05
